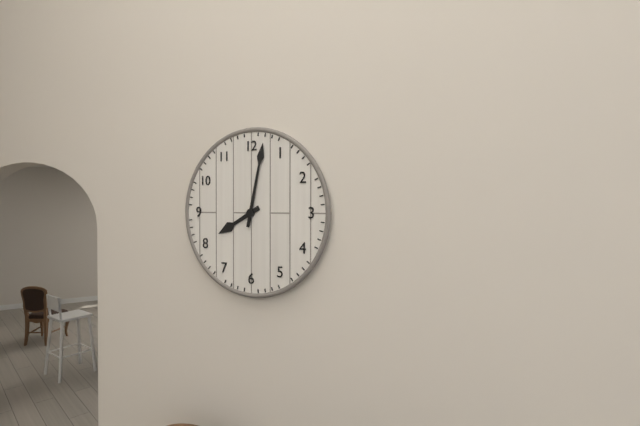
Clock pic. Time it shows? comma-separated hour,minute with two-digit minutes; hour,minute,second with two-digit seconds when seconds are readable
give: 8,02
